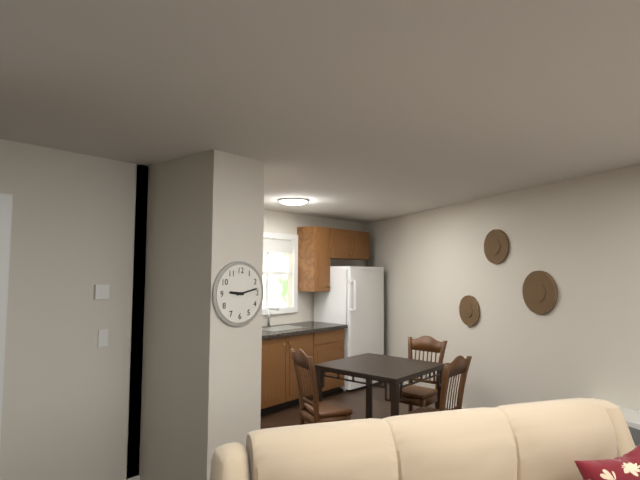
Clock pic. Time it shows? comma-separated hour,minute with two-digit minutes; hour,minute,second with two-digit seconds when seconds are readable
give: 9,13
